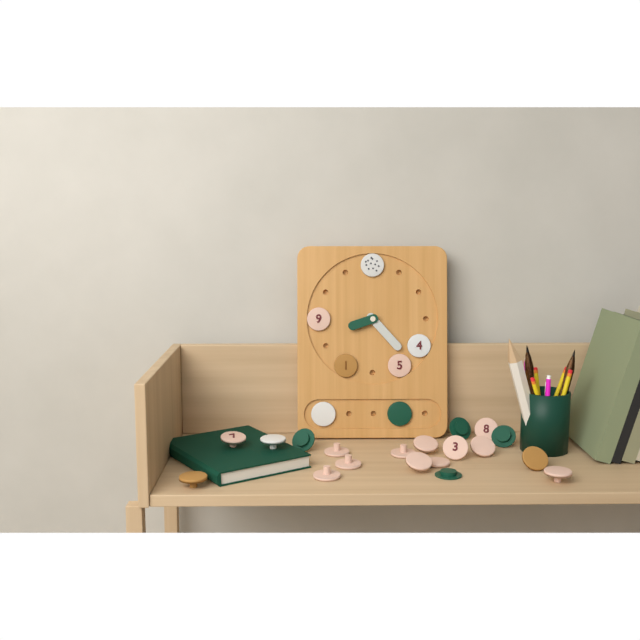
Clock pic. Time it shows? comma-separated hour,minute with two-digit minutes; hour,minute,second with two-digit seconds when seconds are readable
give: 8,23
